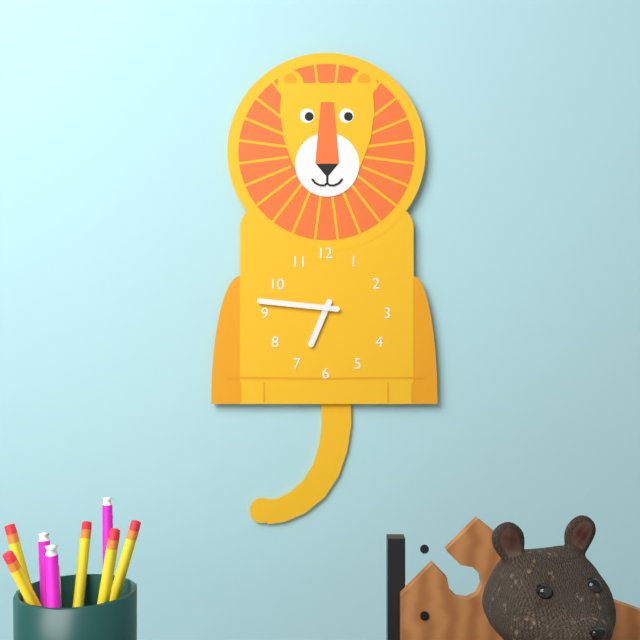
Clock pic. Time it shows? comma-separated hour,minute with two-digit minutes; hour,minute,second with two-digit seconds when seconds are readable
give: 6,46
